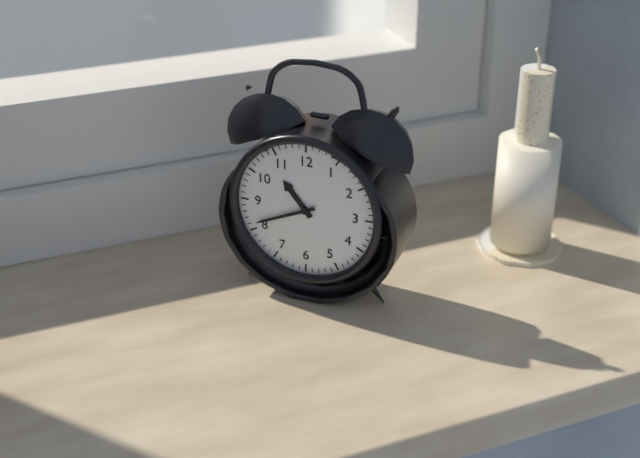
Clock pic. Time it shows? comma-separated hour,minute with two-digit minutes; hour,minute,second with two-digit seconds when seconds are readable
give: 10,41
